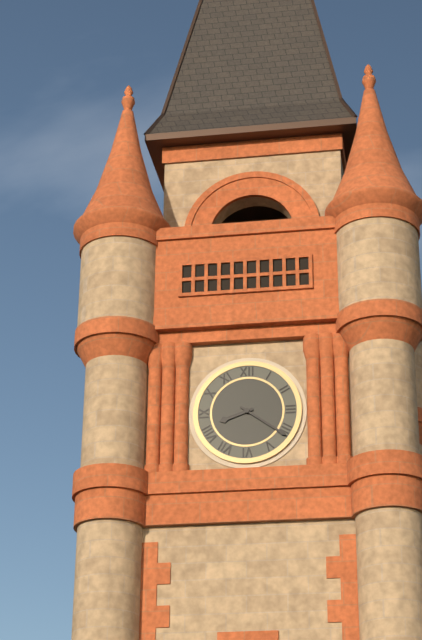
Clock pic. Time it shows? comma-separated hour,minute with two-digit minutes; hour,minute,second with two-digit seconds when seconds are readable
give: 8,21
